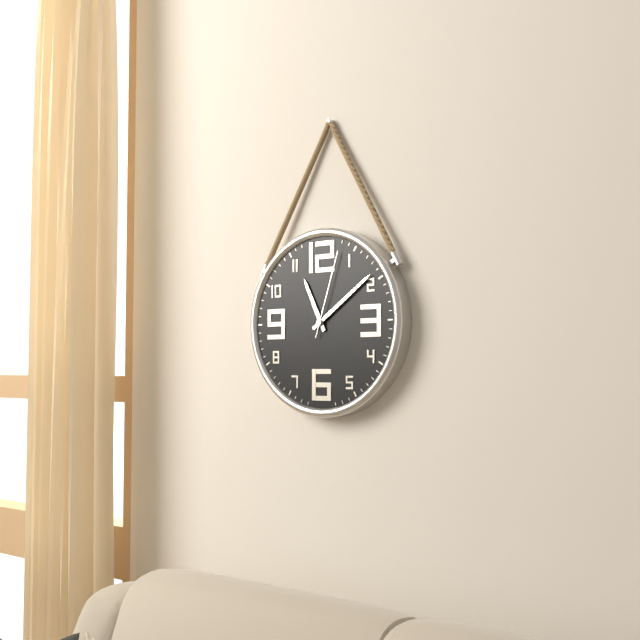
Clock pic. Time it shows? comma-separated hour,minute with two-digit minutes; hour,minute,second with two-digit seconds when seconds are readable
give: 11,09,03
